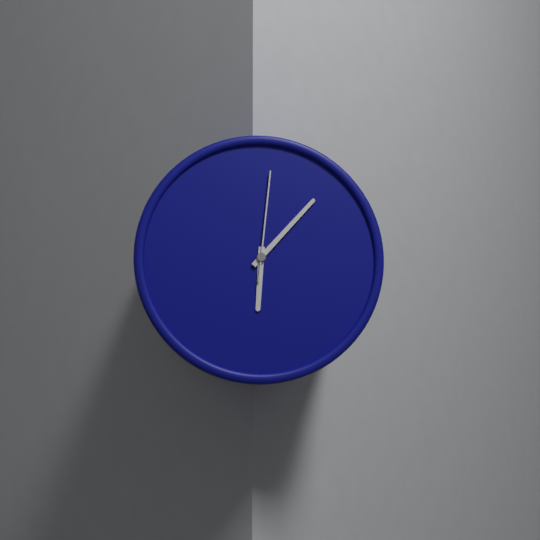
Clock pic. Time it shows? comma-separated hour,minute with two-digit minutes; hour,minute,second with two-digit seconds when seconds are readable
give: 6,07,01
